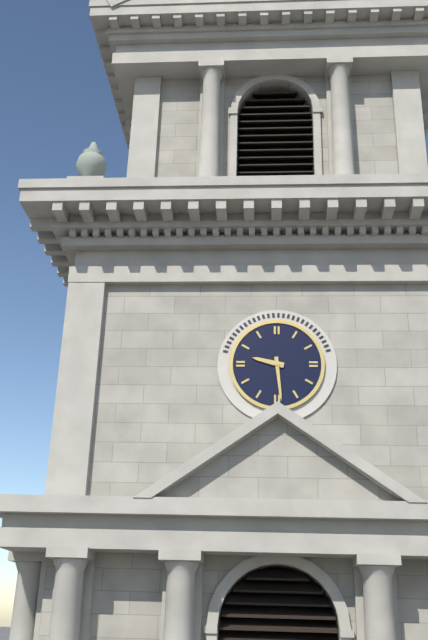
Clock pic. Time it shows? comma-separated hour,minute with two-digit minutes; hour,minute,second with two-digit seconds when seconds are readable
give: 9,29
